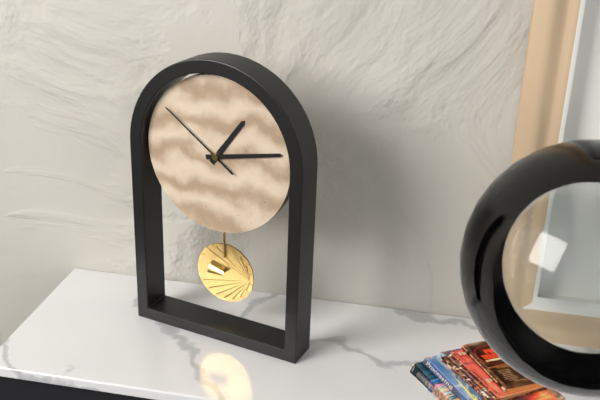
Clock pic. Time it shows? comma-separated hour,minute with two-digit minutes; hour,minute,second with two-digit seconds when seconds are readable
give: 1,13,51
